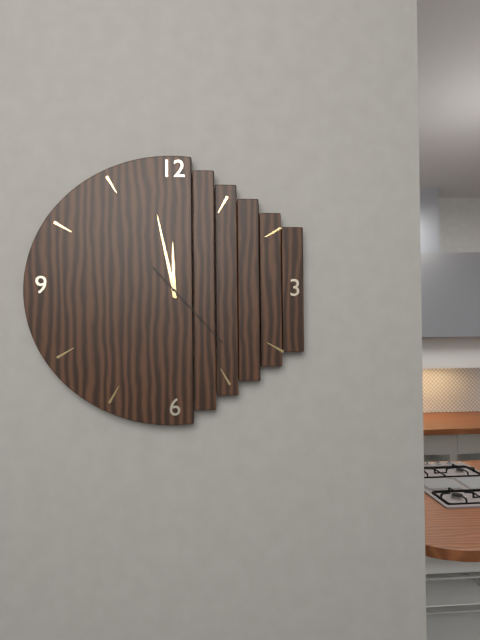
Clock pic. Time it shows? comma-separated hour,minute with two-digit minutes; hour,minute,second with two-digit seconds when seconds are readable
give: 11,58,23
